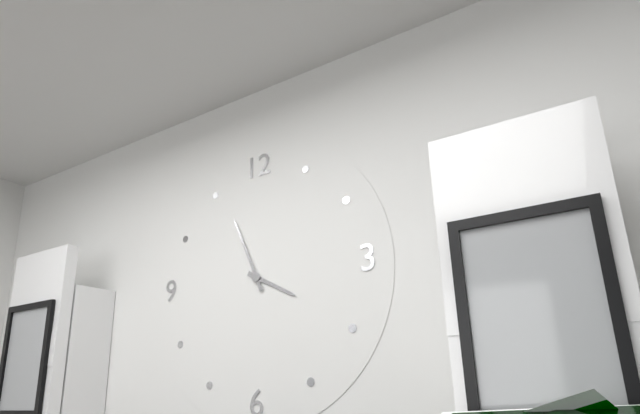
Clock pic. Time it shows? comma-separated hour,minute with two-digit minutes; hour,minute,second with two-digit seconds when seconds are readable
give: 3,56
